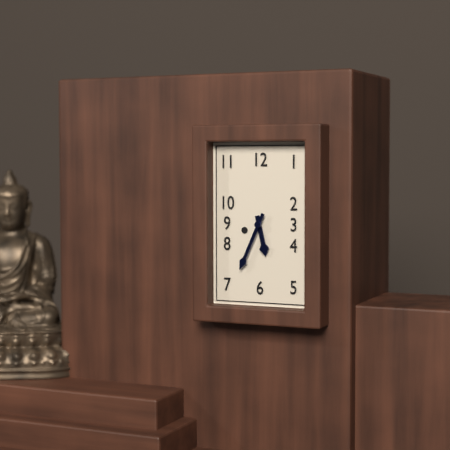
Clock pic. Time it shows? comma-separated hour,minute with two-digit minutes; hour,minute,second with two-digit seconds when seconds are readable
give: 5,34
